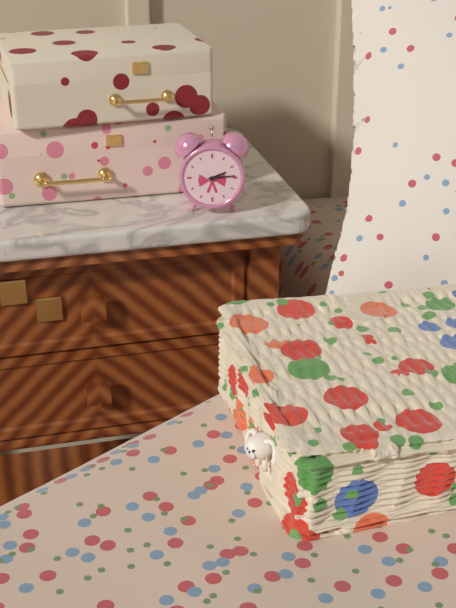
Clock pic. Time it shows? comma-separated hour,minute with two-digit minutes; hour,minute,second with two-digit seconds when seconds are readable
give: 2,14
